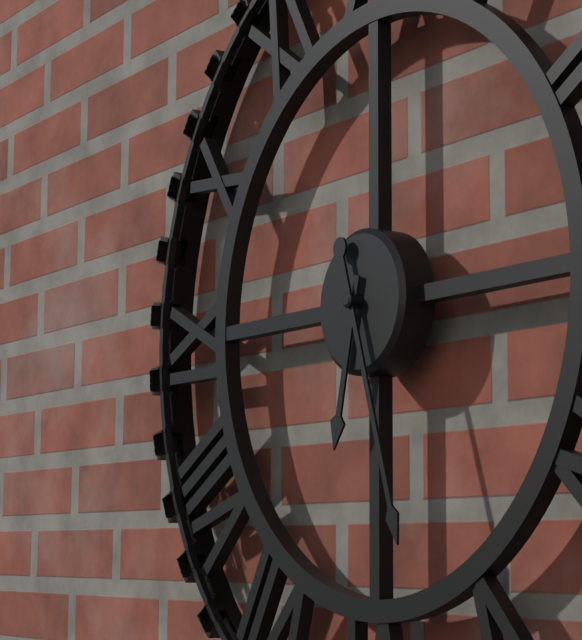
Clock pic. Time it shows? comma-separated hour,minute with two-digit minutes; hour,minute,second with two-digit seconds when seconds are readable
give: 6,27
